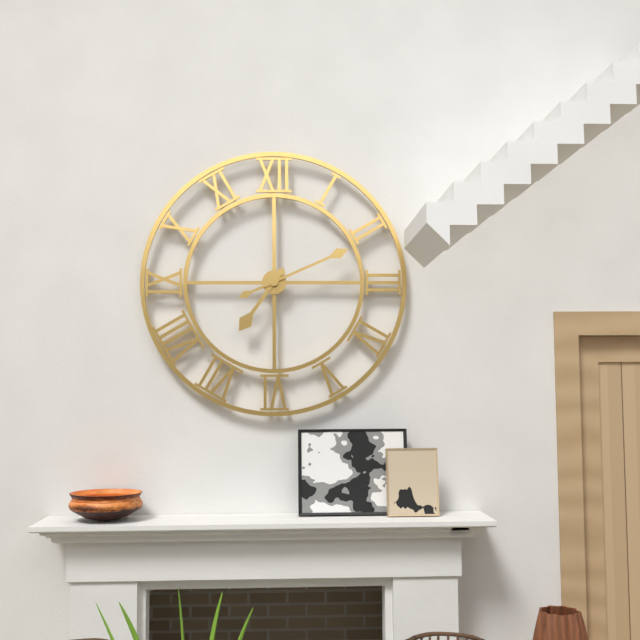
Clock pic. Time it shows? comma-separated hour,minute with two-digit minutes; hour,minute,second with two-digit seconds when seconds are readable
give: 7,11
